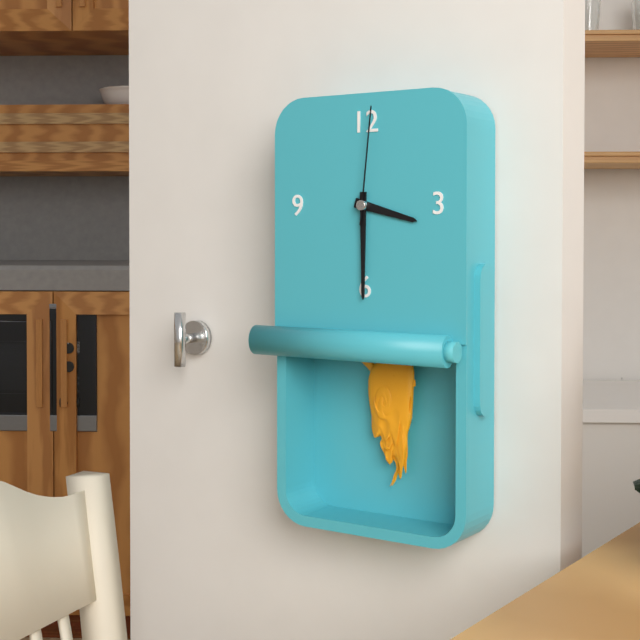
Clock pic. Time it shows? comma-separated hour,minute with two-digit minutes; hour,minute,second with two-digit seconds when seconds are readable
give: 3,30,01
